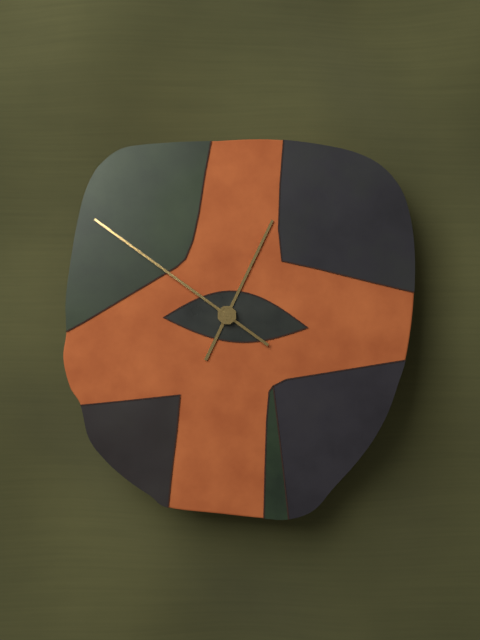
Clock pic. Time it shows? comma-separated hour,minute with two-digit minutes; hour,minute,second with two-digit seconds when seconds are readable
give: 12,51
